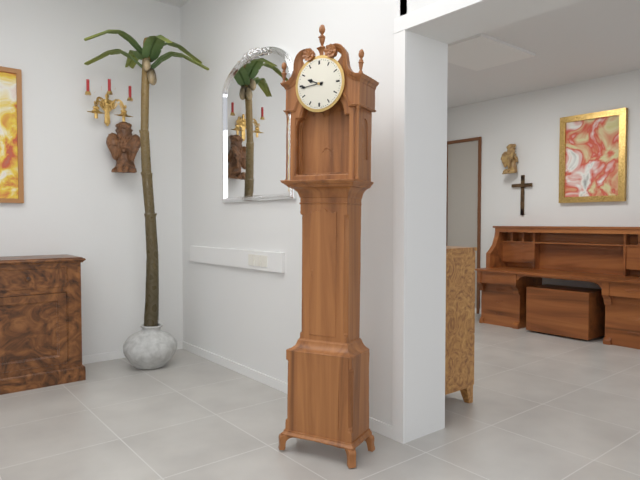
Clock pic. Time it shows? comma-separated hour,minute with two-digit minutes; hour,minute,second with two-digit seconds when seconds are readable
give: 9,44
